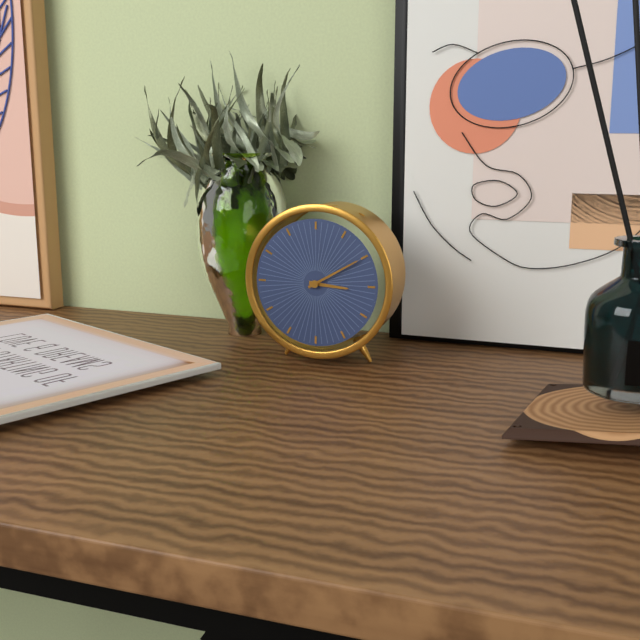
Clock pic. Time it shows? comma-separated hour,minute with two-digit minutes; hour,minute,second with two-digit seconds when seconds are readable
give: 3,10
